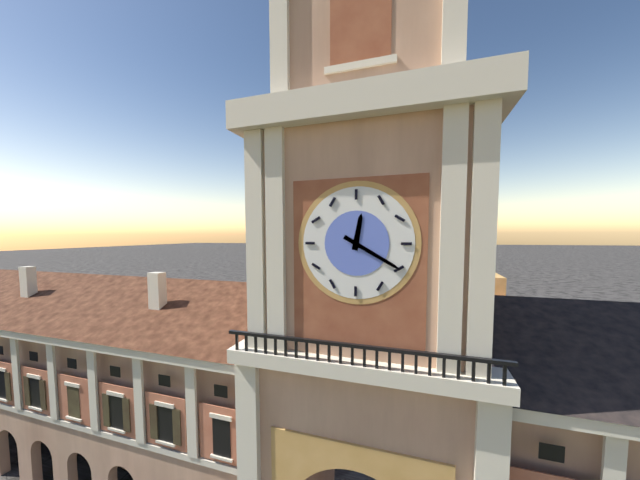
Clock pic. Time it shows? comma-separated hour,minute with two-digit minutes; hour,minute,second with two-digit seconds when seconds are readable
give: 12,20
